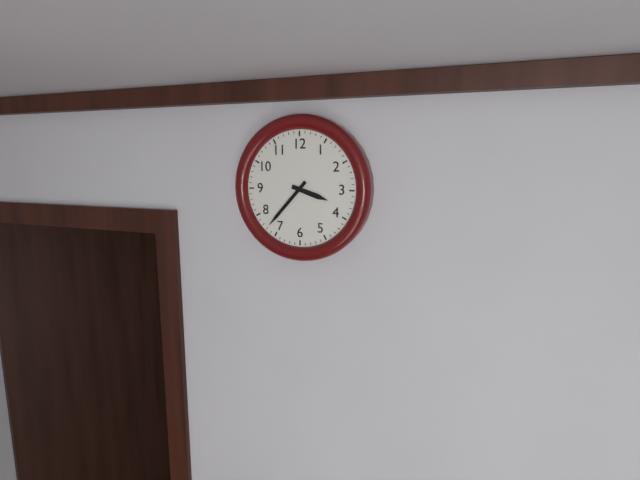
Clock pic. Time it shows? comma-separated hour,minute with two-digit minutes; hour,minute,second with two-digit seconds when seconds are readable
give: 3,37
